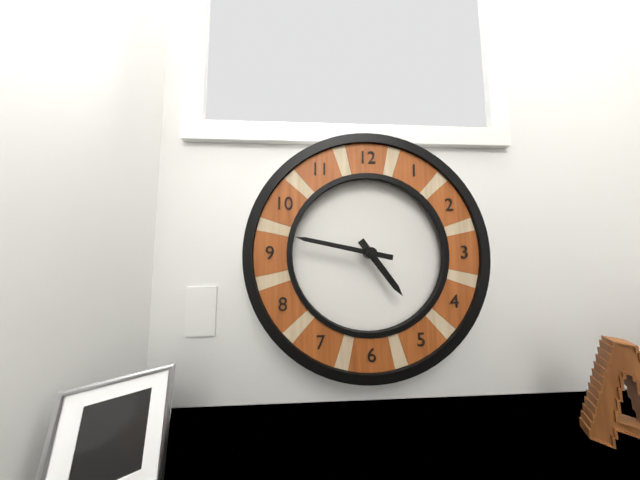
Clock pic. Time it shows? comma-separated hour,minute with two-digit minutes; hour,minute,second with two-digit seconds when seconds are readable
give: 4,47
